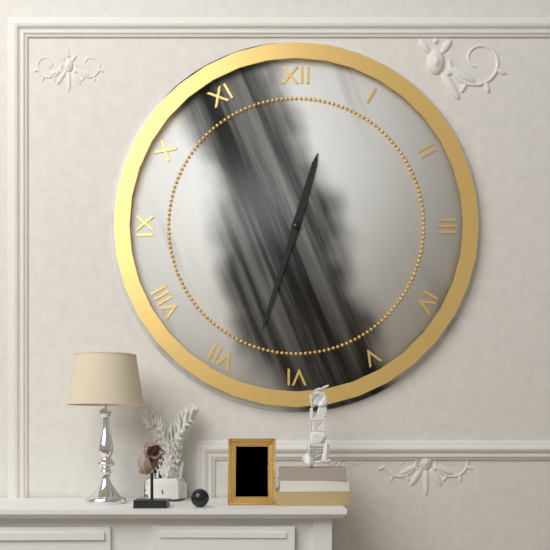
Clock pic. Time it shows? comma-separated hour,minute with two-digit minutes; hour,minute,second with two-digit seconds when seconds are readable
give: 12,33
